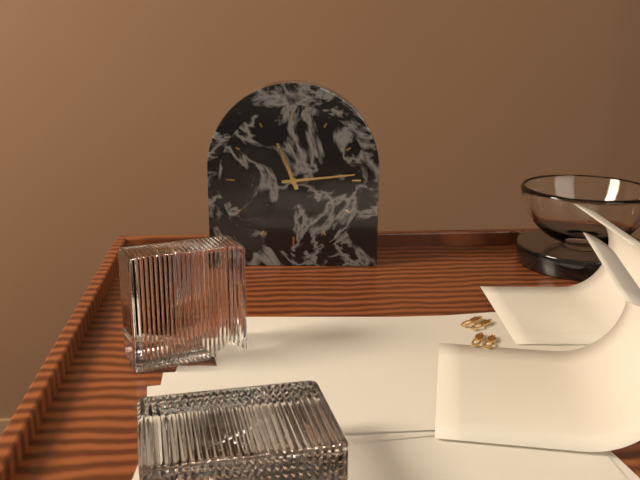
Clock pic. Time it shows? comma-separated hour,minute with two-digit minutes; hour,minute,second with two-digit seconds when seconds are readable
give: 11,14
